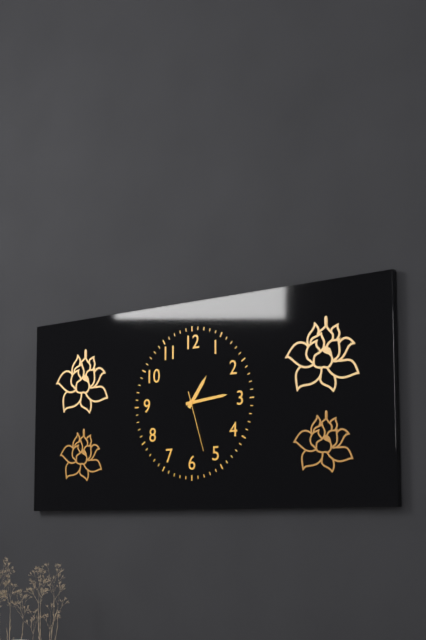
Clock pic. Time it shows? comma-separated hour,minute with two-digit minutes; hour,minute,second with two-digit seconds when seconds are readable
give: 1,14,27
